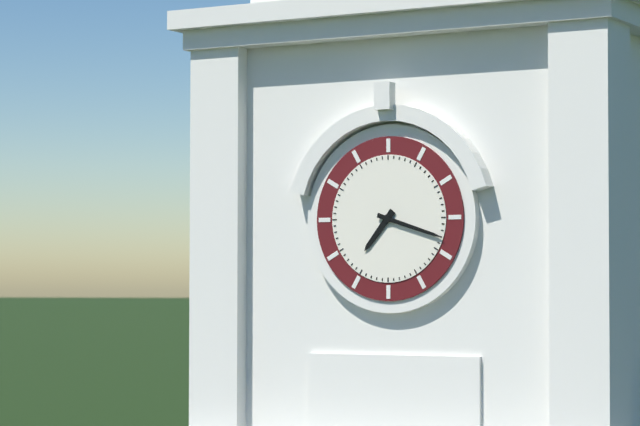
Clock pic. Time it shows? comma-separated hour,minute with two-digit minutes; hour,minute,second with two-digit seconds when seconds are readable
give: 7,18
